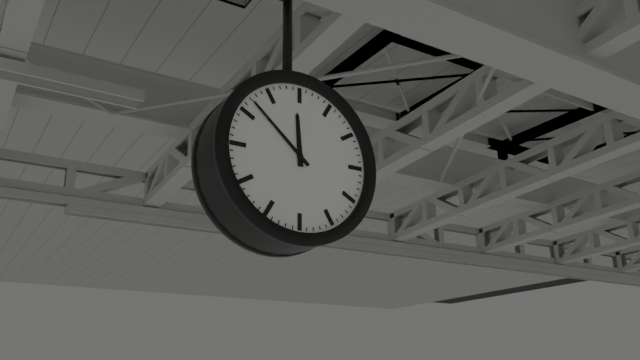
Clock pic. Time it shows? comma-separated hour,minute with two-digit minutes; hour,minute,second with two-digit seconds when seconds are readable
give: 11,52
